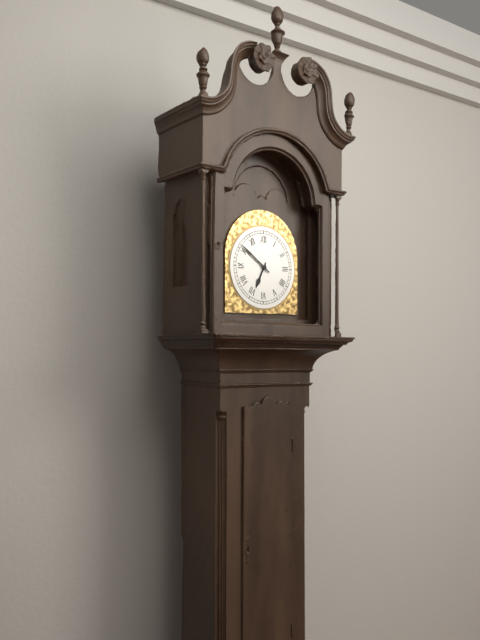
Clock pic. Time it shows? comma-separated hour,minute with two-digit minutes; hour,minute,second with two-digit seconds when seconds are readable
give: 6,51
